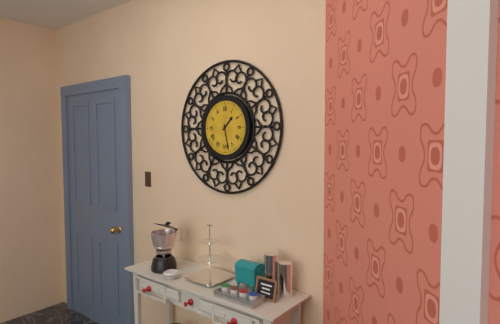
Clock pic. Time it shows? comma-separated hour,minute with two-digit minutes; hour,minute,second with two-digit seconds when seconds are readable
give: 1,28
